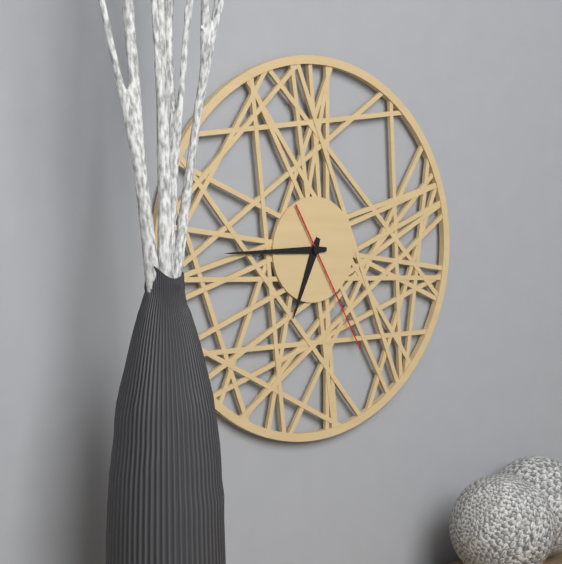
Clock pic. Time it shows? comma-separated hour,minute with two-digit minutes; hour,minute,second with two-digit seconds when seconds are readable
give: 6,45,25
